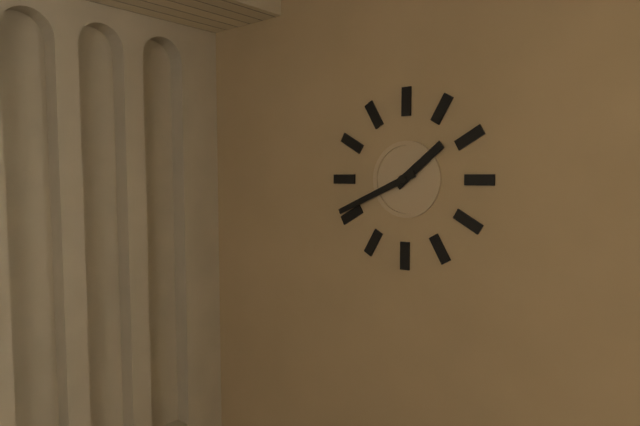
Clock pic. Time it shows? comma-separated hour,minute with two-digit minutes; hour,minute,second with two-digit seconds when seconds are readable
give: 1,41
